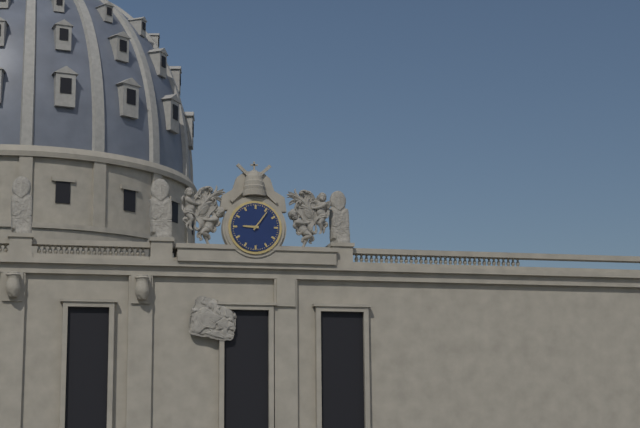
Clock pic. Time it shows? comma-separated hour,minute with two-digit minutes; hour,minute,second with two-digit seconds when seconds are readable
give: 9,06
